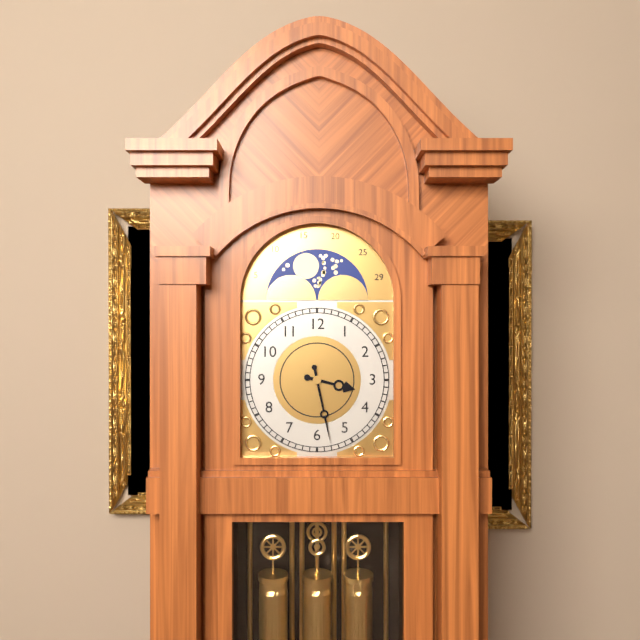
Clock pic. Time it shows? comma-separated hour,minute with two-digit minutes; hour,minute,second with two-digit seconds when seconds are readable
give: 3,28
